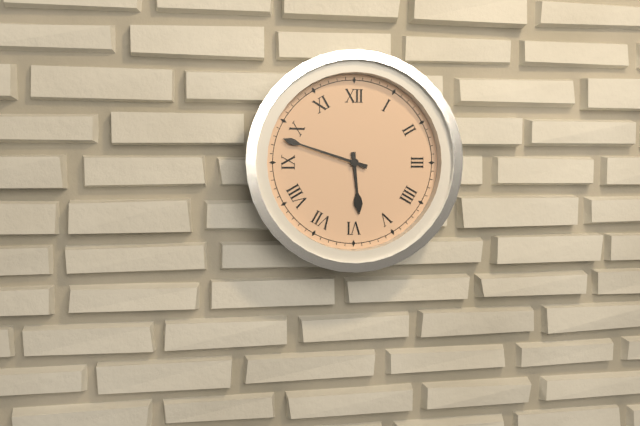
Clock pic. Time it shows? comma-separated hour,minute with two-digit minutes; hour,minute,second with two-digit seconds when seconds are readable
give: 5,48
